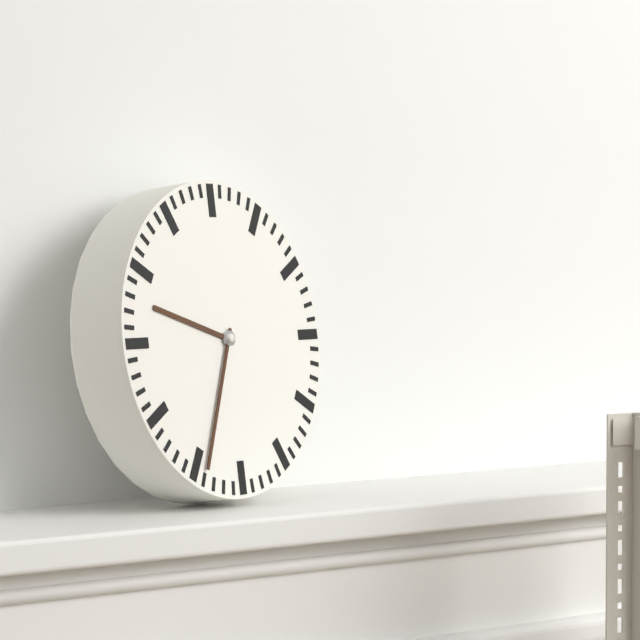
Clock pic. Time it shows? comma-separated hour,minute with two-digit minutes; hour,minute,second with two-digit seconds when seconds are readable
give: 9,34
